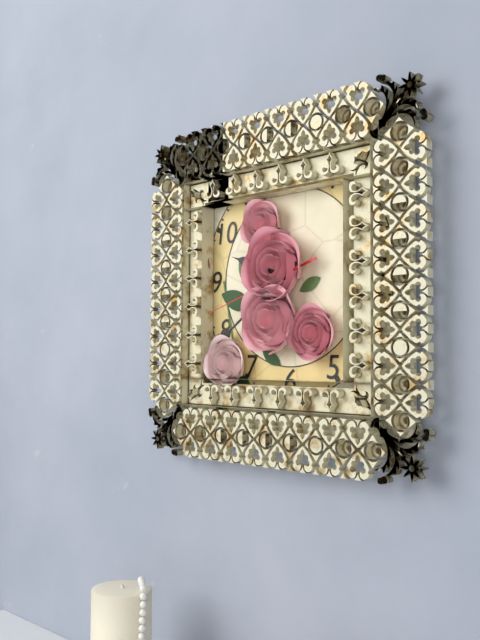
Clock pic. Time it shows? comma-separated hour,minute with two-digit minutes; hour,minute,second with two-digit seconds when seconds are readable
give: 9,39,42
